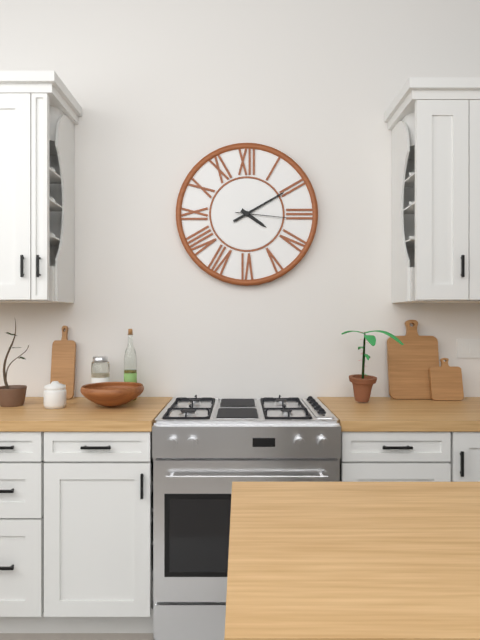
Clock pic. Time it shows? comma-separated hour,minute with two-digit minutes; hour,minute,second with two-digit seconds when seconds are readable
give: 4,10
